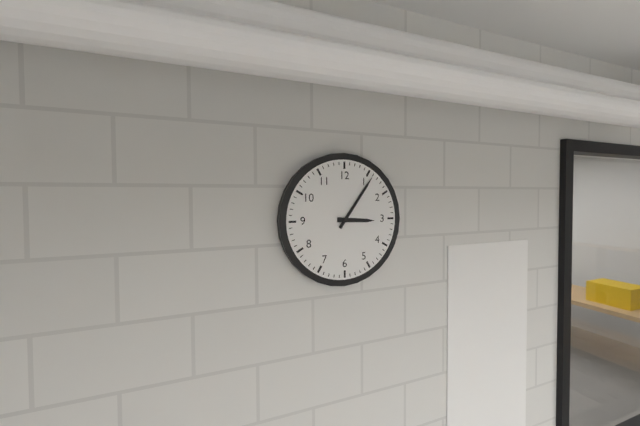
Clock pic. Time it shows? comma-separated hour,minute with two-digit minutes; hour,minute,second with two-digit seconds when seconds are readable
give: 3,06
